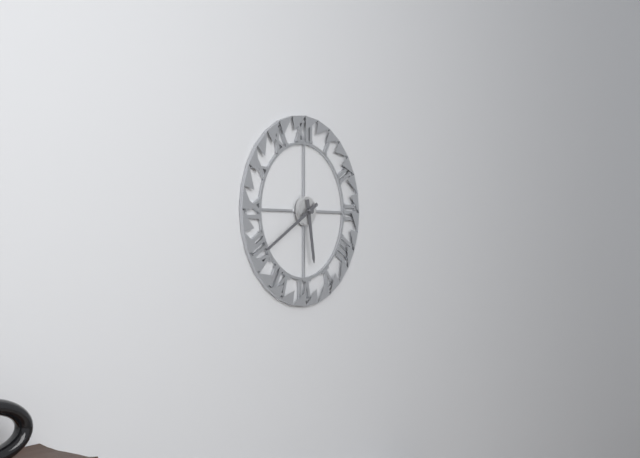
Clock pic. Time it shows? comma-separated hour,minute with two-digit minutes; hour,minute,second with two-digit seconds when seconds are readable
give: 5,40
